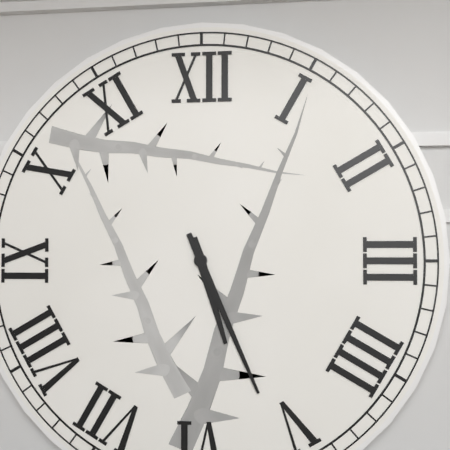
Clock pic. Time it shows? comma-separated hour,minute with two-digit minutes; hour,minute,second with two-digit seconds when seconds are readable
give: 5,26
